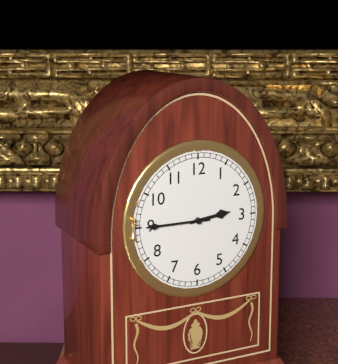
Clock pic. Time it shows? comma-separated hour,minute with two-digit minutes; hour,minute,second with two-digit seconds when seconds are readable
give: 2,45
